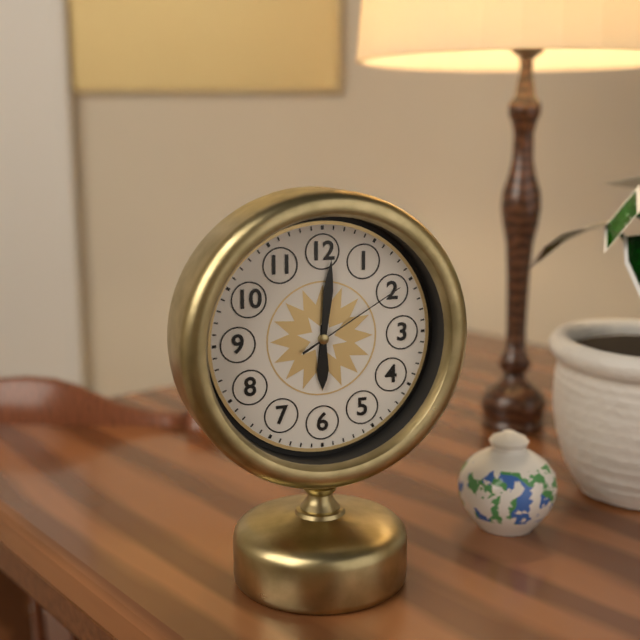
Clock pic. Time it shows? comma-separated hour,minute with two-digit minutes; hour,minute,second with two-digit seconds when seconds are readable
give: 6,01,10
